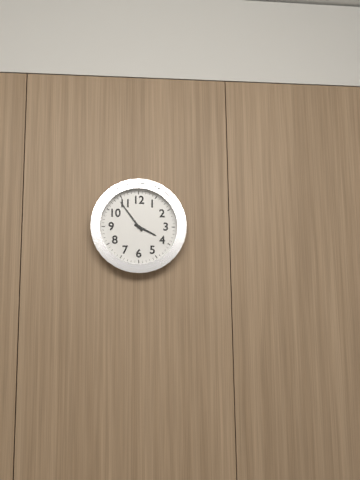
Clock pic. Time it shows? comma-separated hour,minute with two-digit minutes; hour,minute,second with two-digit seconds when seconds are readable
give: 3,54
